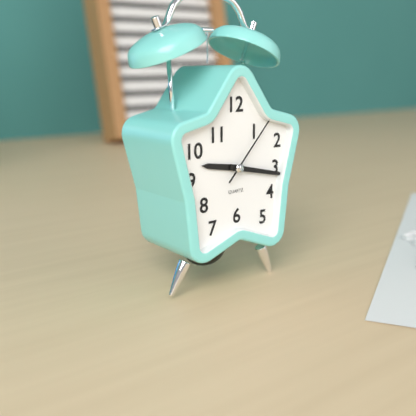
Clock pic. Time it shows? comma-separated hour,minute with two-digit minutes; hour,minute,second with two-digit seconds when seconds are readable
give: 9,17,07
